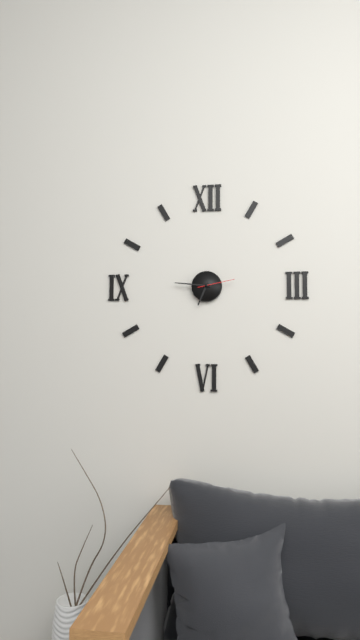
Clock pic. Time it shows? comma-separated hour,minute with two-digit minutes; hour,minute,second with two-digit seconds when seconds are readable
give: 6,46
